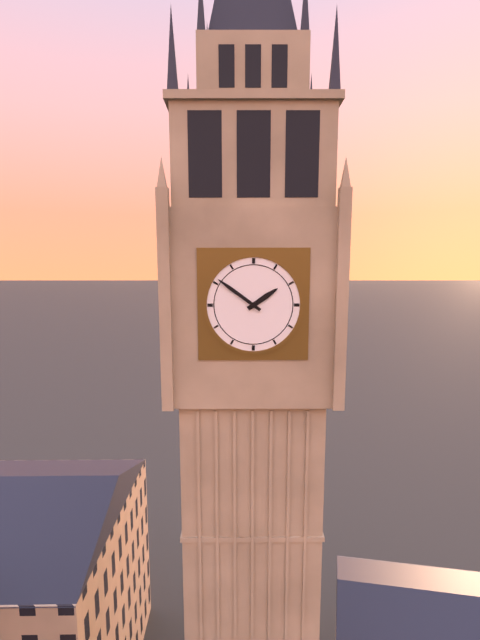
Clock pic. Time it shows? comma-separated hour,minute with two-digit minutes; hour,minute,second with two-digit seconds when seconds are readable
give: 1,51
